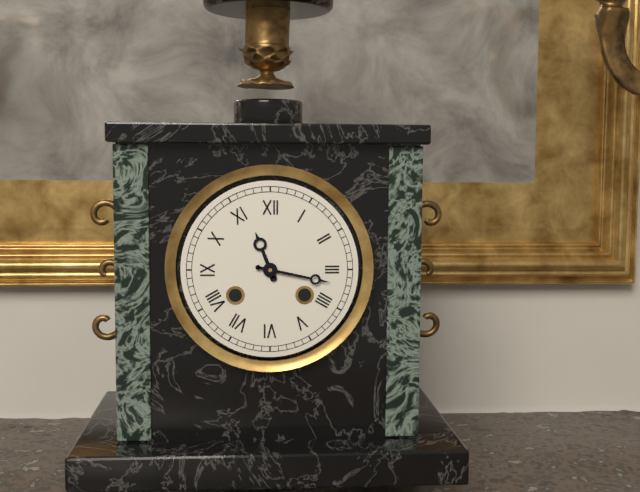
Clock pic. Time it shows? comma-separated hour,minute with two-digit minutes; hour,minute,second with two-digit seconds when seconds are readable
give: 11,17
